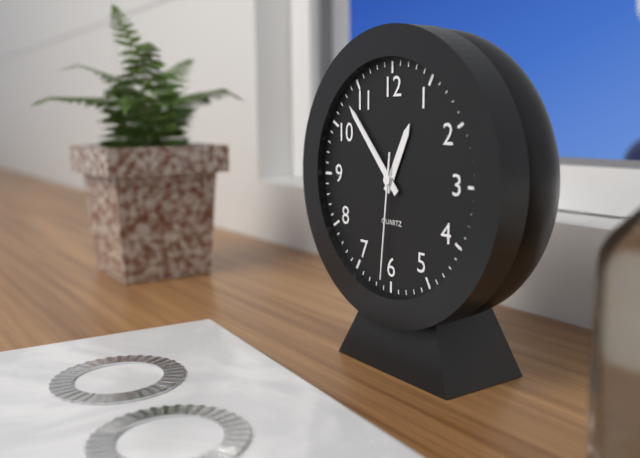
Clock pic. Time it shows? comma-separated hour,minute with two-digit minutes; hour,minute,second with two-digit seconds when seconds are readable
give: 12,53,31
